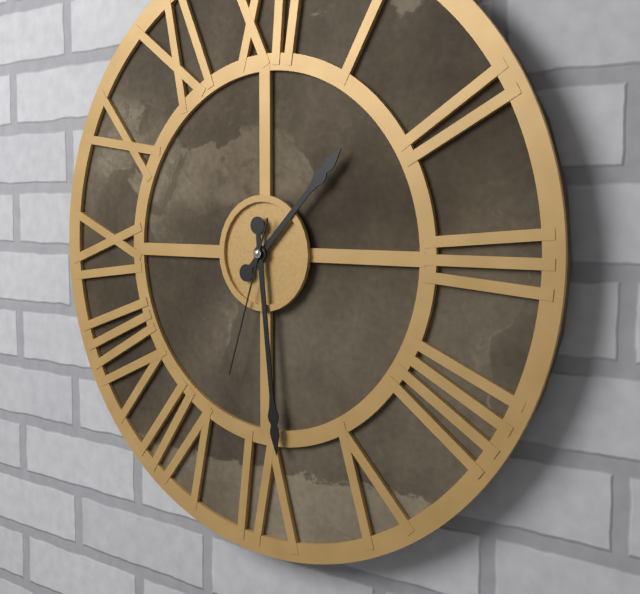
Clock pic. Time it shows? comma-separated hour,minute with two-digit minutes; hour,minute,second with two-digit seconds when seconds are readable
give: 1,29,33
